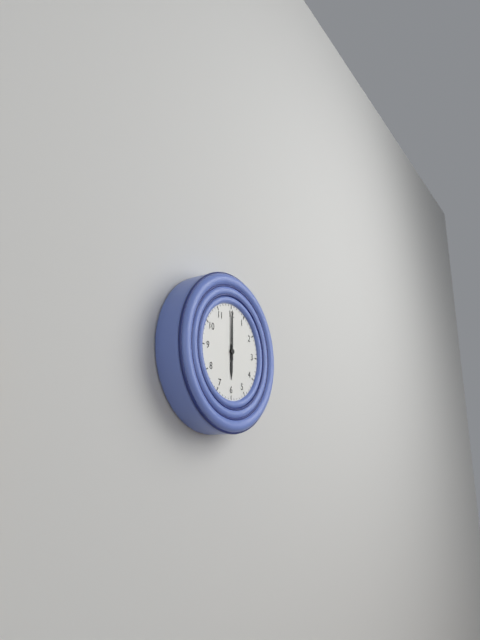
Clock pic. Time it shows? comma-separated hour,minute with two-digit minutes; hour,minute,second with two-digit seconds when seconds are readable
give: 6,00
